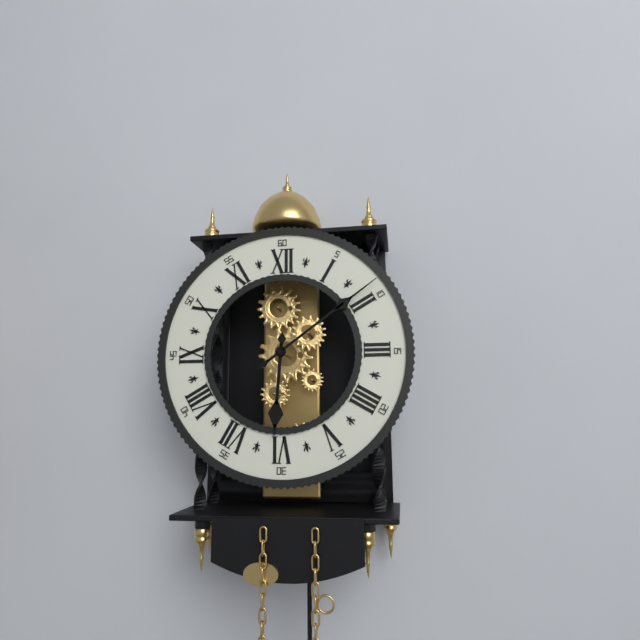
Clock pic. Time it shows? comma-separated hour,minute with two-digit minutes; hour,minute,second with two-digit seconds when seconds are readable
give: 6,09
